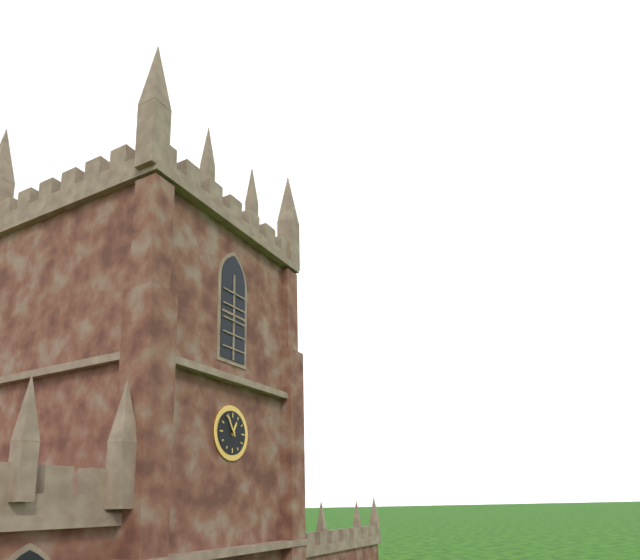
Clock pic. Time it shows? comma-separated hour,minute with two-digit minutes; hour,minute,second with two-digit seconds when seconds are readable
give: 12,55
